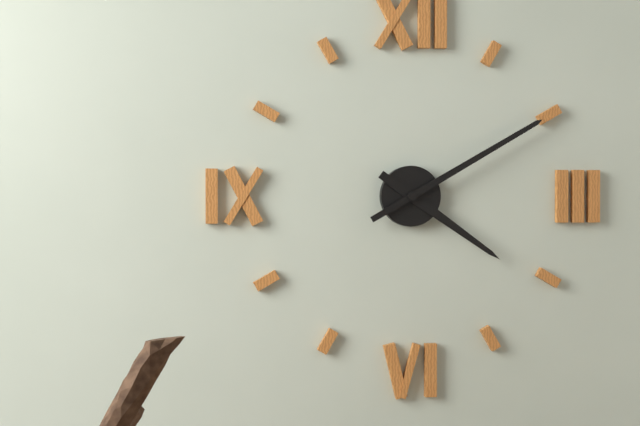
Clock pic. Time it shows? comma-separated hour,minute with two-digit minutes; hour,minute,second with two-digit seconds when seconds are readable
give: 4,10
